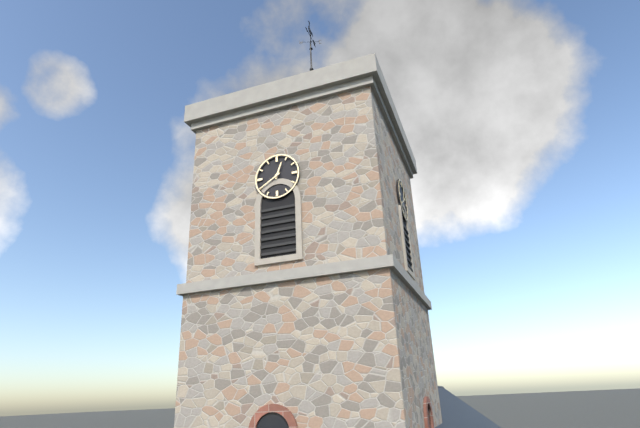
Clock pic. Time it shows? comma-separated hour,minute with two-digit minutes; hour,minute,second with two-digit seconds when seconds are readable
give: 12,40
